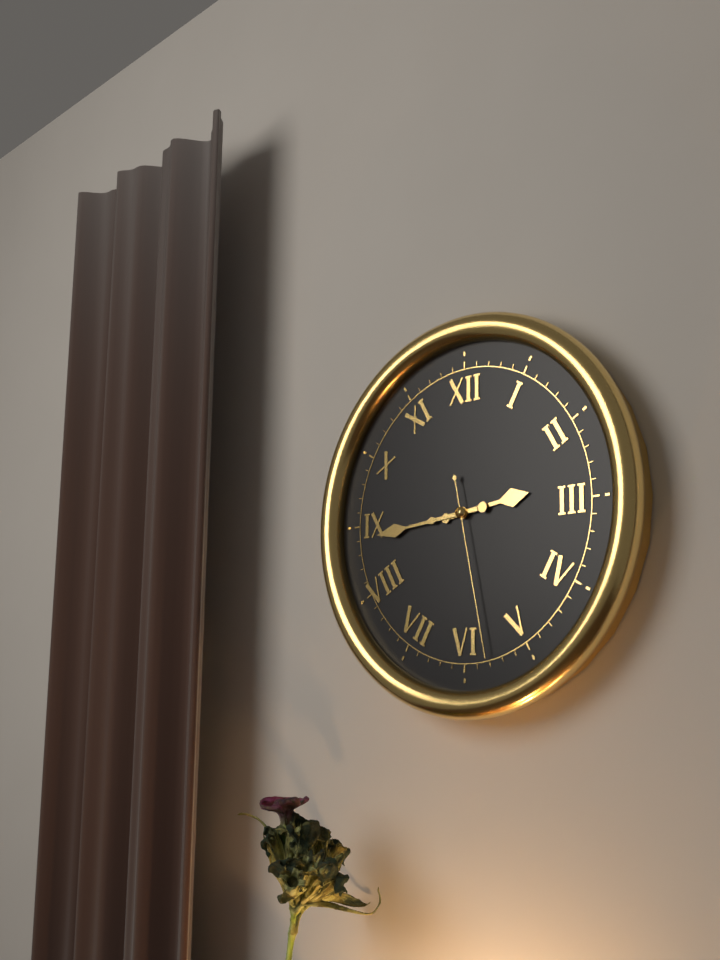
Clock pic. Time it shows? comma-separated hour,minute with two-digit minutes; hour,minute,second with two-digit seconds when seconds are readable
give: 2,44,28
